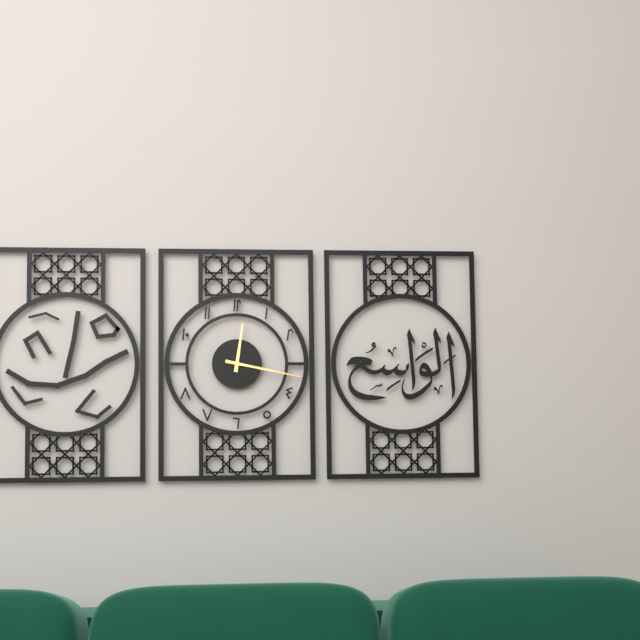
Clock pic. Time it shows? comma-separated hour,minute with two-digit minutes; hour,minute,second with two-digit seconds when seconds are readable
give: 12,17
